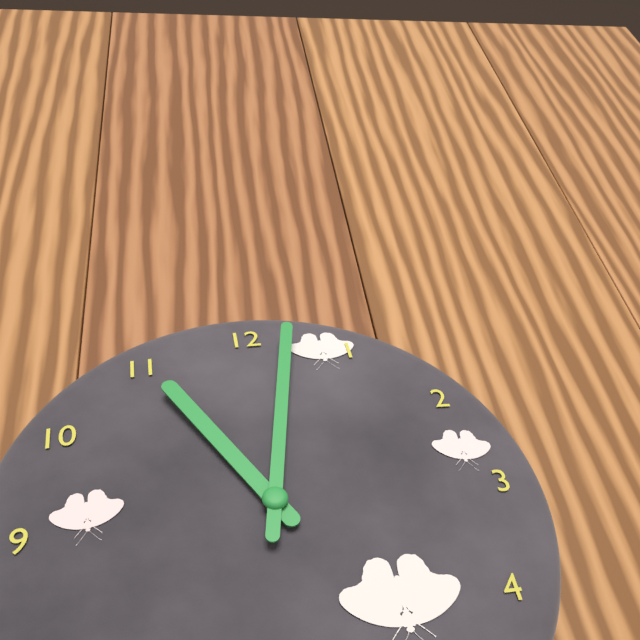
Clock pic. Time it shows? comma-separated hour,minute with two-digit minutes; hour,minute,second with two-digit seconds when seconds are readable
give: 11,02
